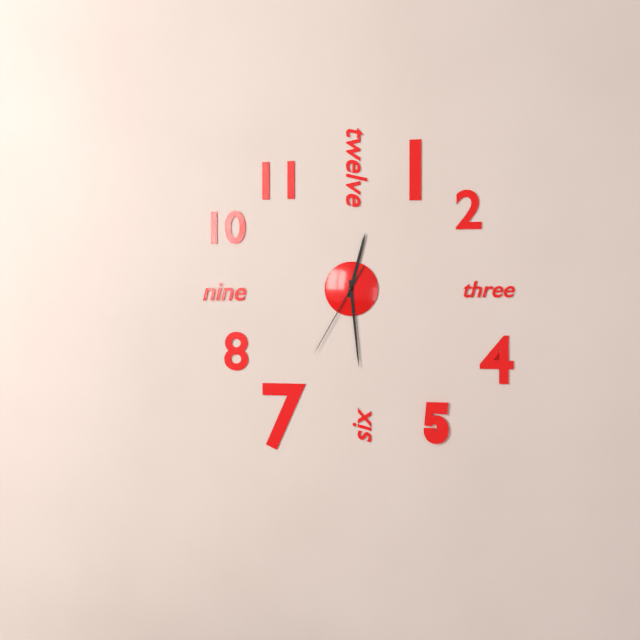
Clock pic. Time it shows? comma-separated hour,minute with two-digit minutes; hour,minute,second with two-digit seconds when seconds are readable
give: 12,29,35
